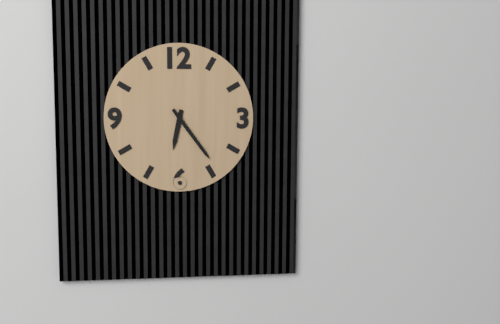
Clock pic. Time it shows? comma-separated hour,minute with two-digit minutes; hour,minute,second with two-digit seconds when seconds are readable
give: 6,24
